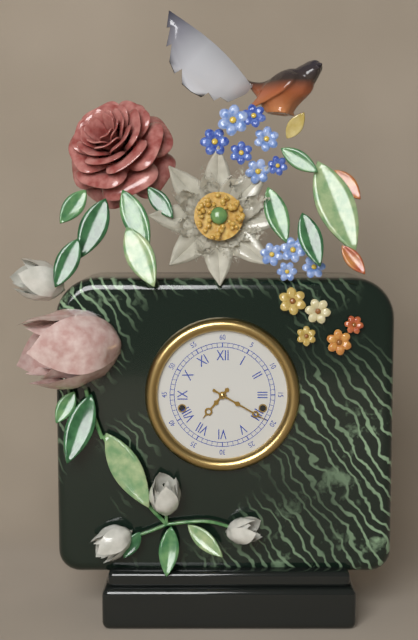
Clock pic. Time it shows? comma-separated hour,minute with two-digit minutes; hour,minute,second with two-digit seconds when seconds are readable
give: 7,20
